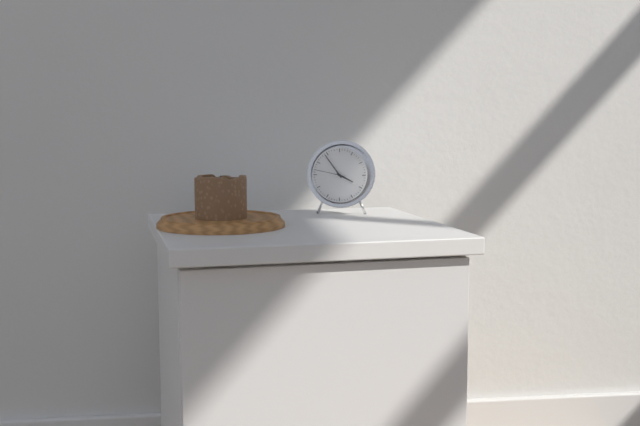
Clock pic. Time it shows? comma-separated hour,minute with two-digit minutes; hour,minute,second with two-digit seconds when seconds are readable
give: 3,54
